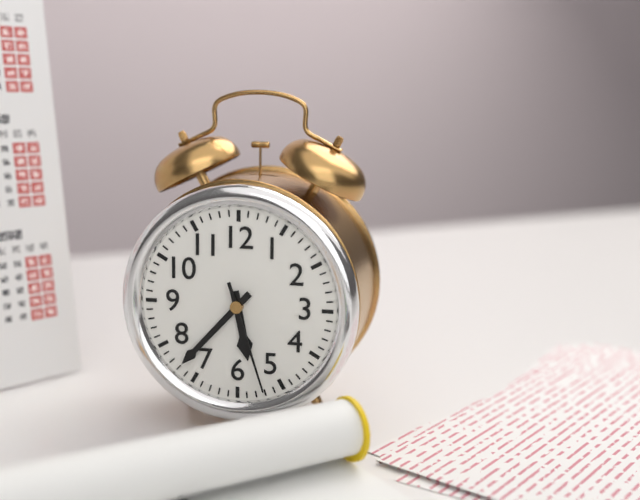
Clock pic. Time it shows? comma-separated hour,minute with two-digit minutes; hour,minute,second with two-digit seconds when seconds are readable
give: 5,37,27
